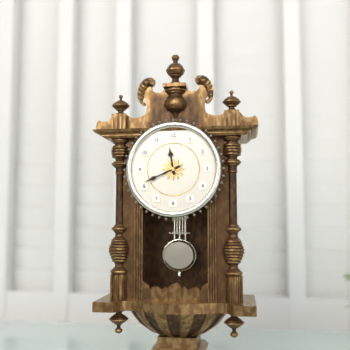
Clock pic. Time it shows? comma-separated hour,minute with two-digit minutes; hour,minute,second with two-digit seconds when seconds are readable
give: 11,41
